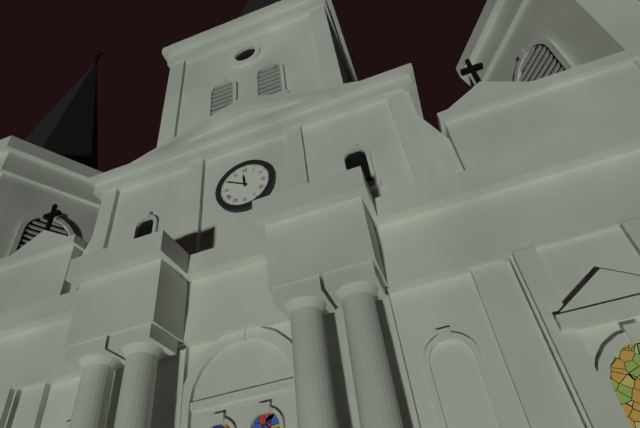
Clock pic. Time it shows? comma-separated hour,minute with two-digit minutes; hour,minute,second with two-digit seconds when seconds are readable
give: 11,50
